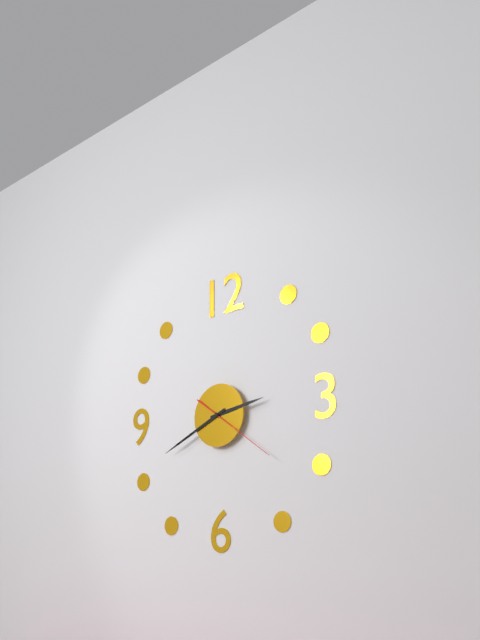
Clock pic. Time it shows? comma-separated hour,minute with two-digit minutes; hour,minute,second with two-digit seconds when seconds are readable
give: 2,41,21
